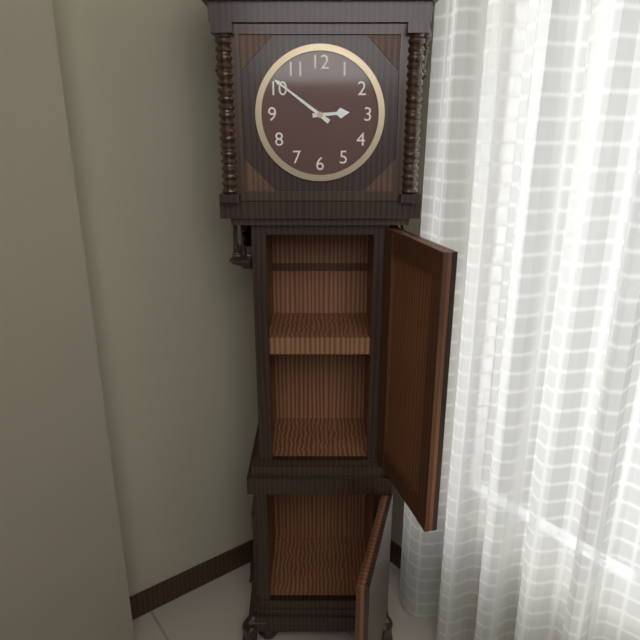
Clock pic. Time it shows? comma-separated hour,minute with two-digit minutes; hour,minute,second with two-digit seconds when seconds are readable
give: 2,51
